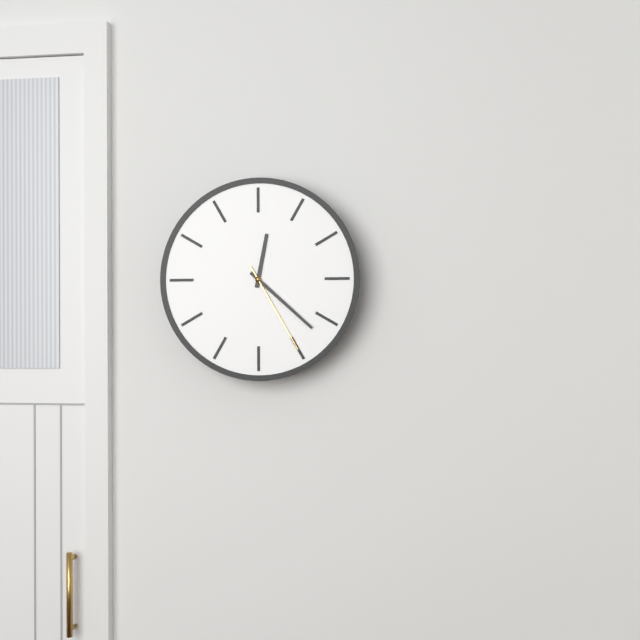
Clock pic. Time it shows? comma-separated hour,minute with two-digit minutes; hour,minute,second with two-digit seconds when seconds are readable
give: 12,22,25
